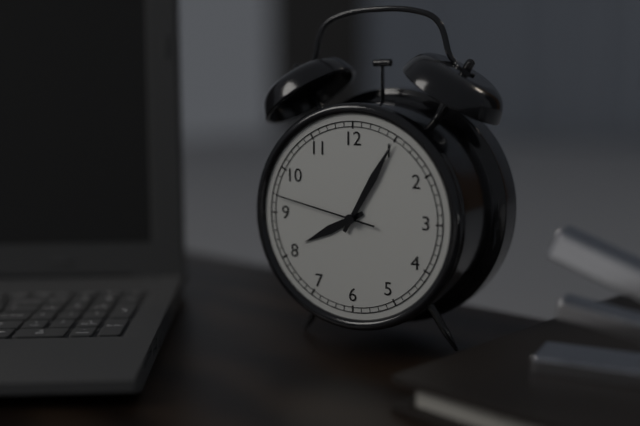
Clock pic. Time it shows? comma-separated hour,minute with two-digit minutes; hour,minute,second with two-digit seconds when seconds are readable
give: 8,05,47
